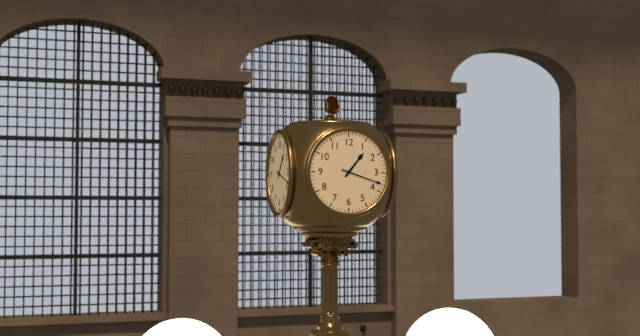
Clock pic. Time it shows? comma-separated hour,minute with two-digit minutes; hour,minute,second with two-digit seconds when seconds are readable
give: 1,18
